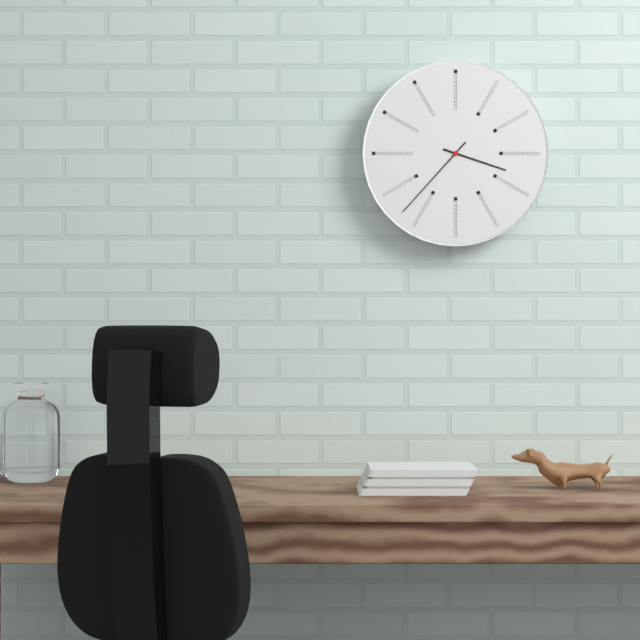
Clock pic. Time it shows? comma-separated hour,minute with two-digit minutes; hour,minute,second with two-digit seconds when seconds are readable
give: 3,37
